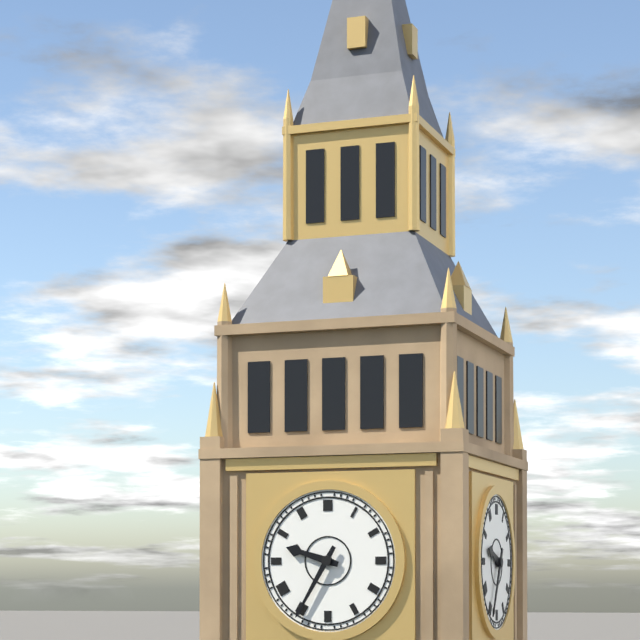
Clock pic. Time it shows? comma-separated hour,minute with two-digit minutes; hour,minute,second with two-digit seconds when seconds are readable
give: 9,35
